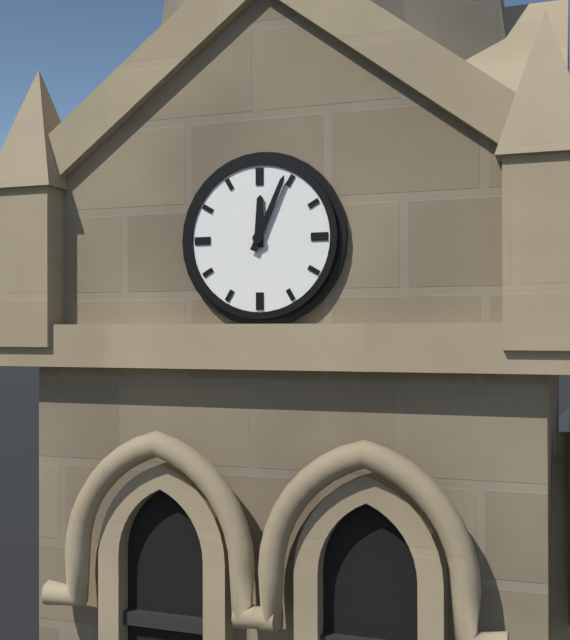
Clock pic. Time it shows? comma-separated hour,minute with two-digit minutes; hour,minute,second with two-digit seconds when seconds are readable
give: 12,04
